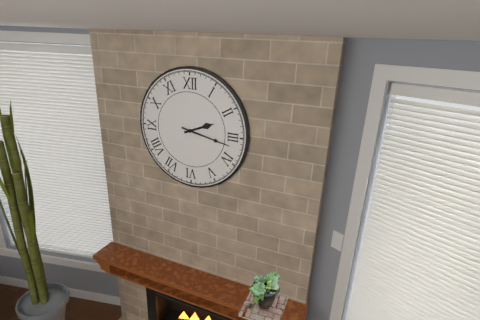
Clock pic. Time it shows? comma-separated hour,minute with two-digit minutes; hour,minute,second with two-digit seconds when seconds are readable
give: 2,17
